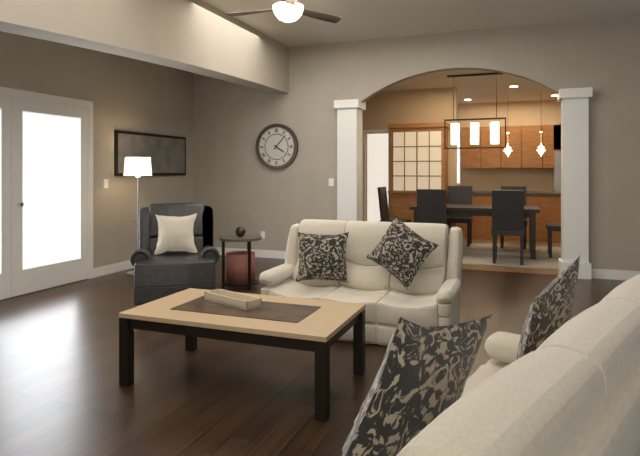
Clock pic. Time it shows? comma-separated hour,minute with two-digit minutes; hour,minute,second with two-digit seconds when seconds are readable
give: 4,07
